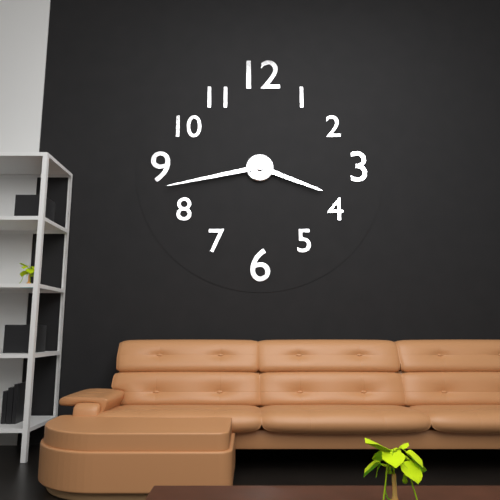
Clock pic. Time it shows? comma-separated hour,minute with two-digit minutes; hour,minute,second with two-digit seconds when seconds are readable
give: 3,43
